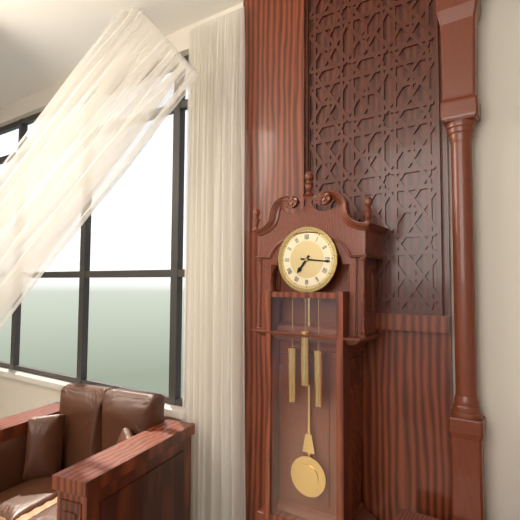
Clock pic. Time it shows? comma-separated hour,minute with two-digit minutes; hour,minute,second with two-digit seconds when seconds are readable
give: 7,16
